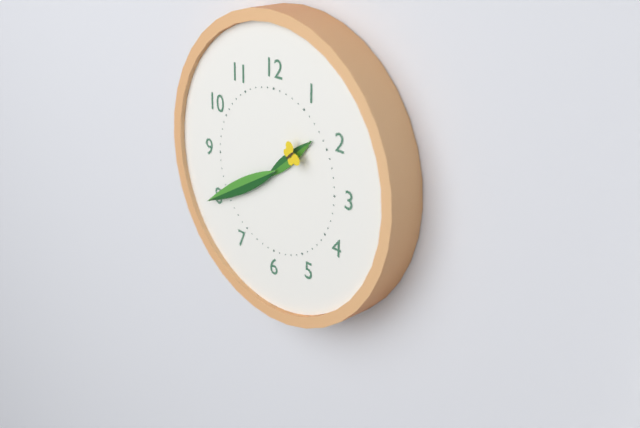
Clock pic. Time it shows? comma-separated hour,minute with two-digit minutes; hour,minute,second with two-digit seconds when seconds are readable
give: 1,40
